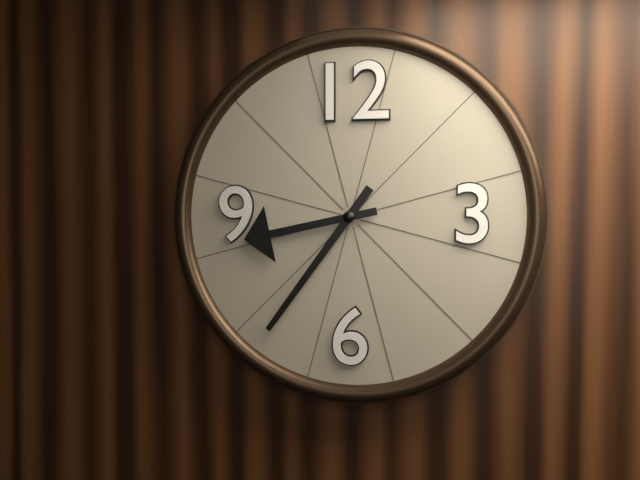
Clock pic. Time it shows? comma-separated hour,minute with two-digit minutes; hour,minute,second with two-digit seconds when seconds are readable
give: 8,36
